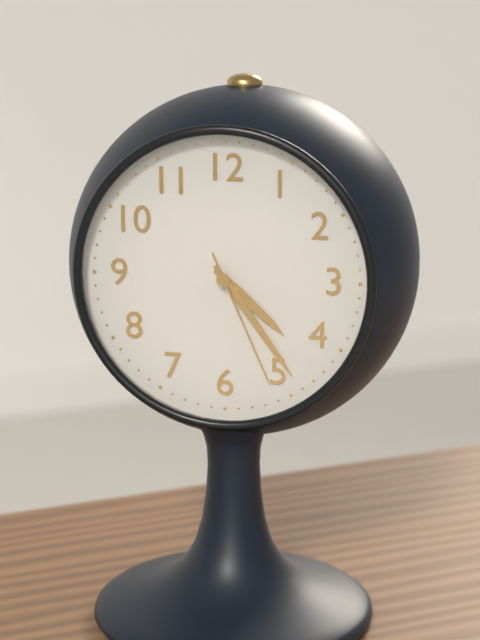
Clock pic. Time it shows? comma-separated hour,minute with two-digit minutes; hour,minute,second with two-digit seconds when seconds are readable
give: 4,24,26
